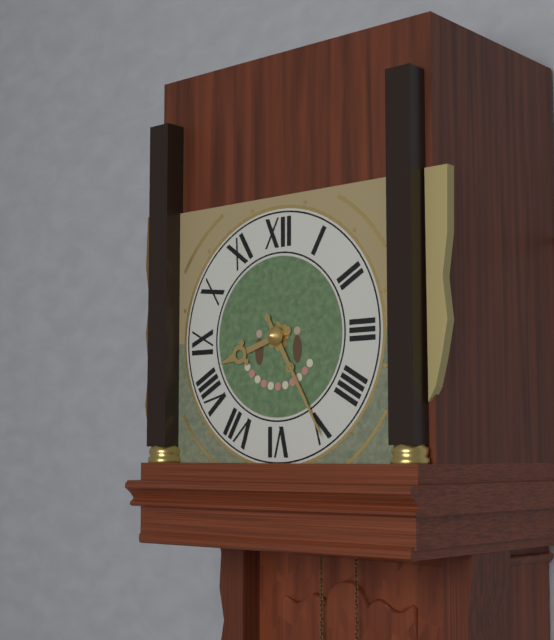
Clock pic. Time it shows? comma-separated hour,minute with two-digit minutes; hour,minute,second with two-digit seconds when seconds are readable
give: 8,25
